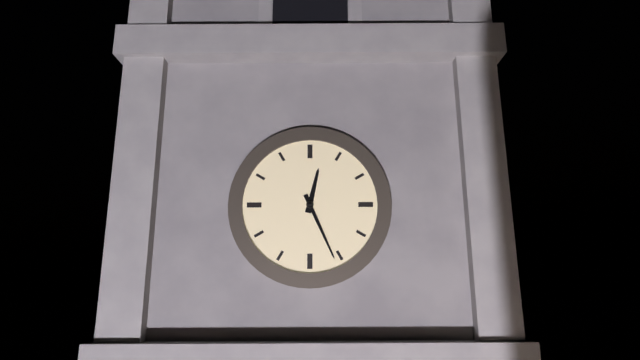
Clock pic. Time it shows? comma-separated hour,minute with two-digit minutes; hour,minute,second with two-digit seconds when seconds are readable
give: 12,26
